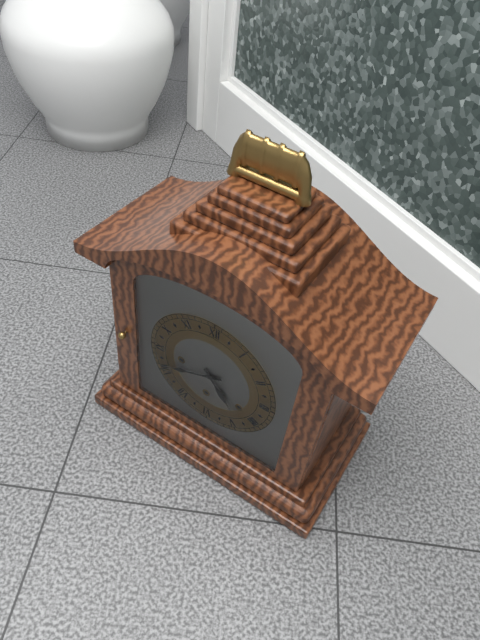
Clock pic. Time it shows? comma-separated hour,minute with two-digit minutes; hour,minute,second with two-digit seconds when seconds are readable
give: 4,41
